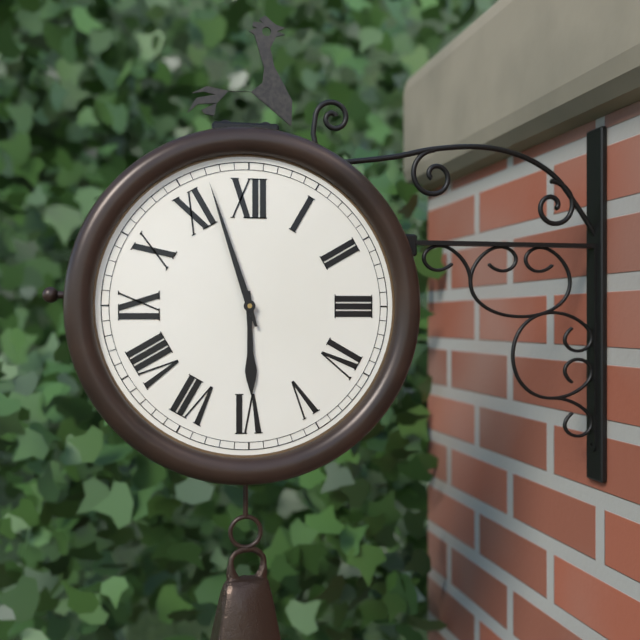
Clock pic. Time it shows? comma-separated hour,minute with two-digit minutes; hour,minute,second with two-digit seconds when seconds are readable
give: 5,57
